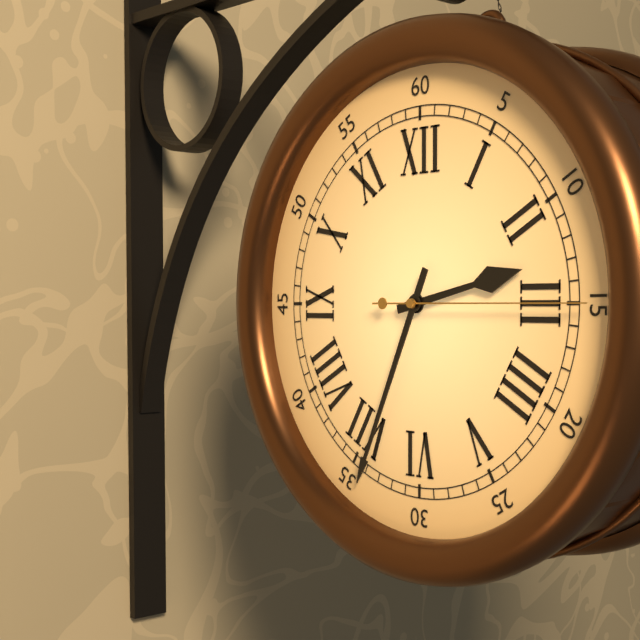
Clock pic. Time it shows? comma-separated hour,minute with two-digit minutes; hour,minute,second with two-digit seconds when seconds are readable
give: 2,34,15
